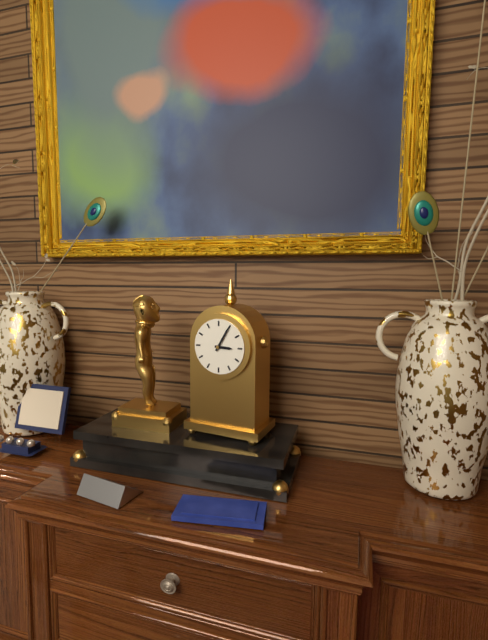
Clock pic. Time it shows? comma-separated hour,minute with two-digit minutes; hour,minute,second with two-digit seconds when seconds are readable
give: 3,05
